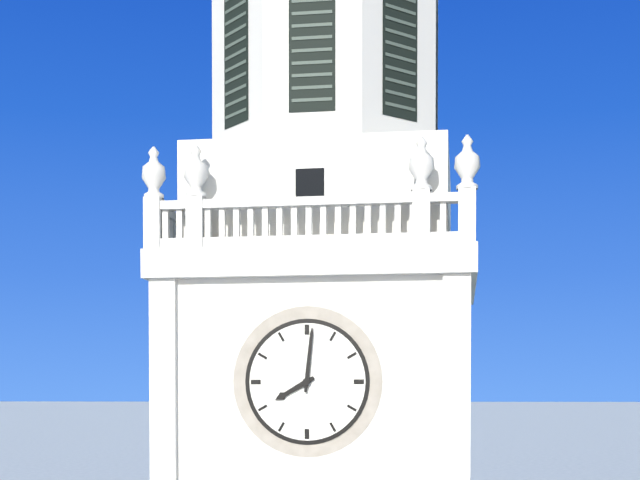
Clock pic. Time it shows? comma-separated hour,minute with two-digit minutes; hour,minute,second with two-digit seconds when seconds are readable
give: 8,01
